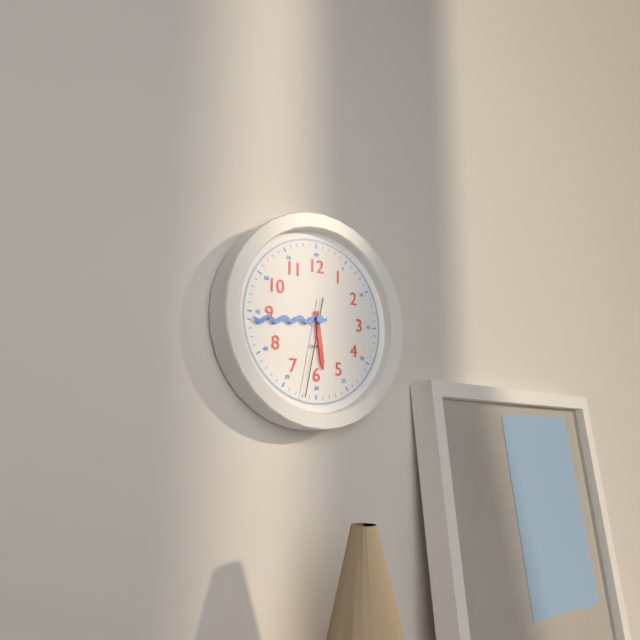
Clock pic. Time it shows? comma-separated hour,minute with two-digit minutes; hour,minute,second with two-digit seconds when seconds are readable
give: 5,44,32
